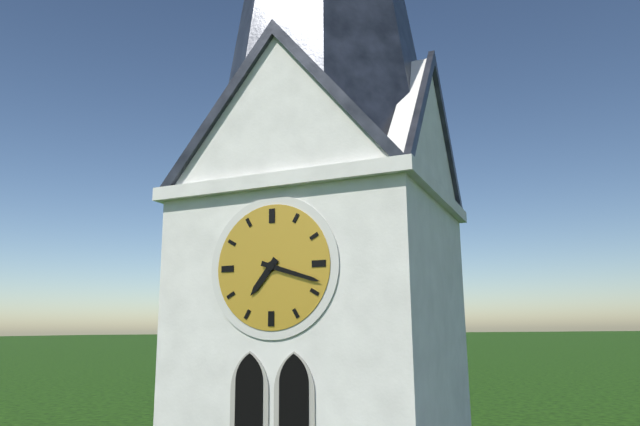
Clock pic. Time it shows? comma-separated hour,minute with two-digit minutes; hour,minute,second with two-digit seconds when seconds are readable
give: 7,18
